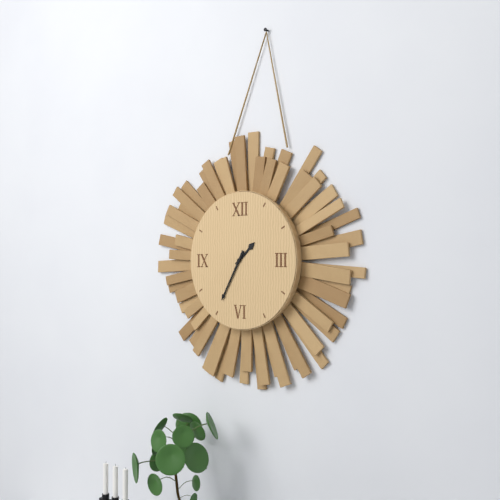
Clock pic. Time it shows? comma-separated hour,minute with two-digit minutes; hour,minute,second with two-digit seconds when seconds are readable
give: 1,35
